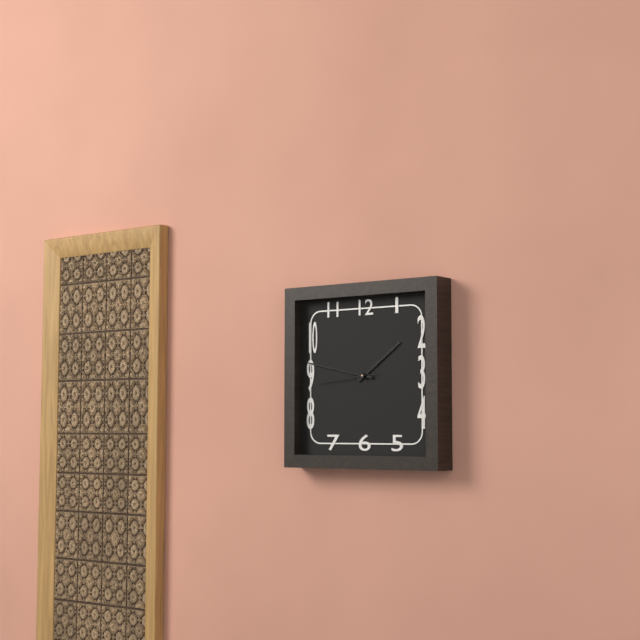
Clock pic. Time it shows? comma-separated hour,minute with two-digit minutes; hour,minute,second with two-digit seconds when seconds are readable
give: 1,47,44
